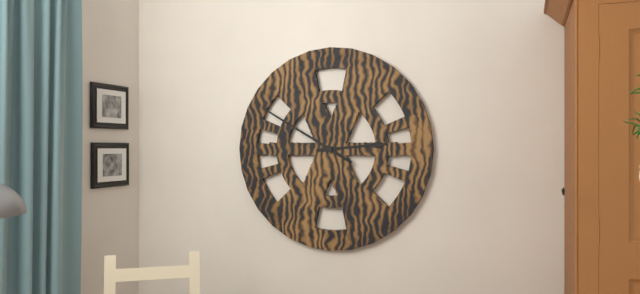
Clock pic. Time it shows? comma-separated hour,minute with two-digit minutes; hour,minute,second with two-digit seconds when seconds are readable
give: 2,50
